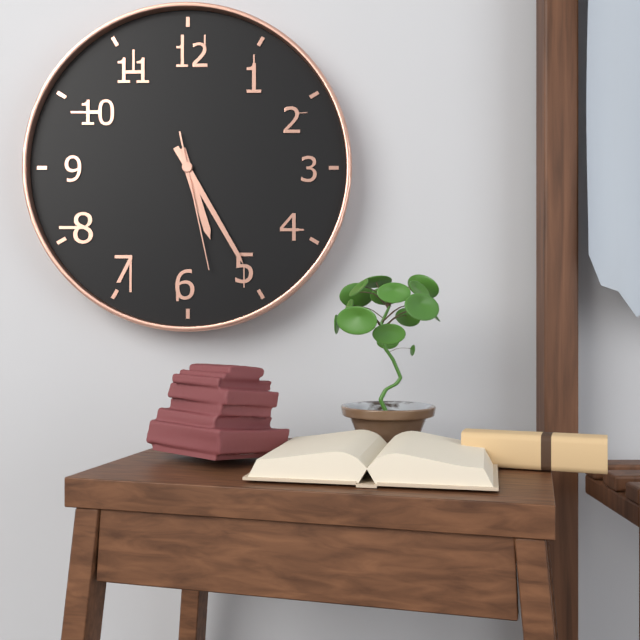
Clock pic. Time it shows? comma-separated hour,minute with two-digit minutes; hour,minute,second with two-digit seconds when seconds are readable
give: 5,25,28
